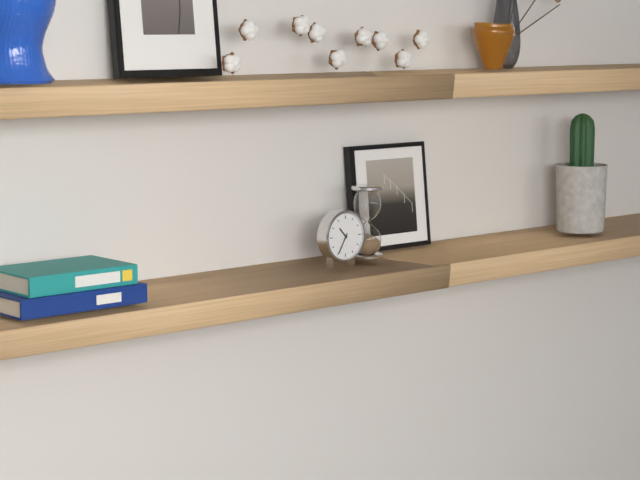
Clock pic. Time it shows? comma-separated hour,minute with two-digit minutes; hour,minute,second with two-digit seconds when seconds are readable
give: 10,35
